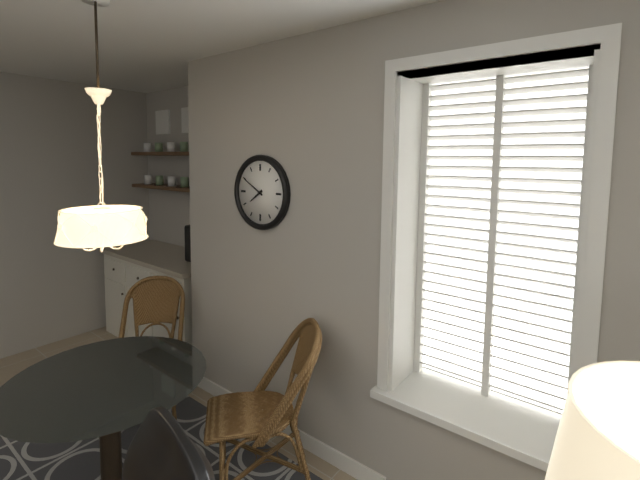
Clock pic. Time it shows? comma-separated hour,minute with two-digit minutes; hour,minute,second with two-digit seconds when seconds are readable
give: 7,50
